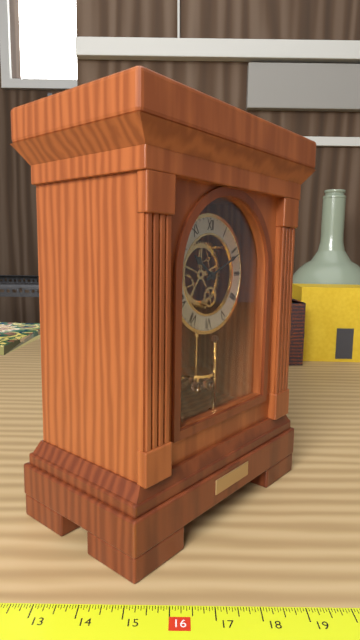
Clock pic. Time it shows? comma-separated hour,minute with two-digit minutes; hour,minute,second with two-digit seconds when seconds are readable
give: 10,11
